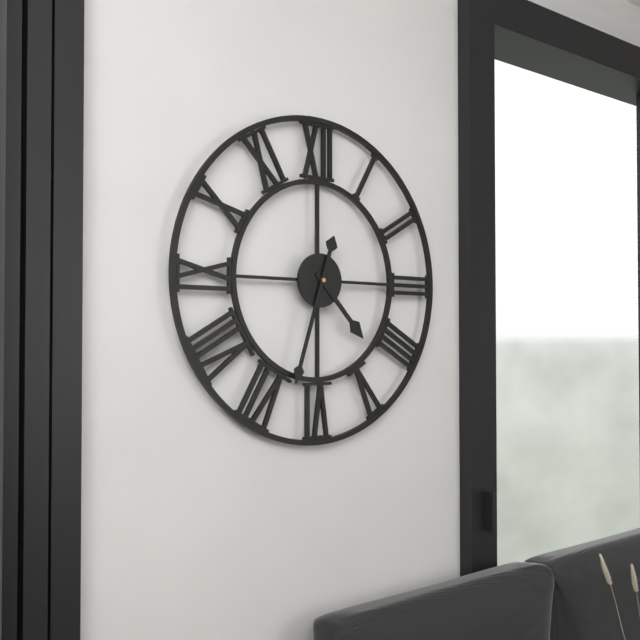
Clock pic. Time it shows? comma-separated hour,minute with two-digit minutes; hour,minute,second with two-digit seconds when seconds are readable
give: 4,33
